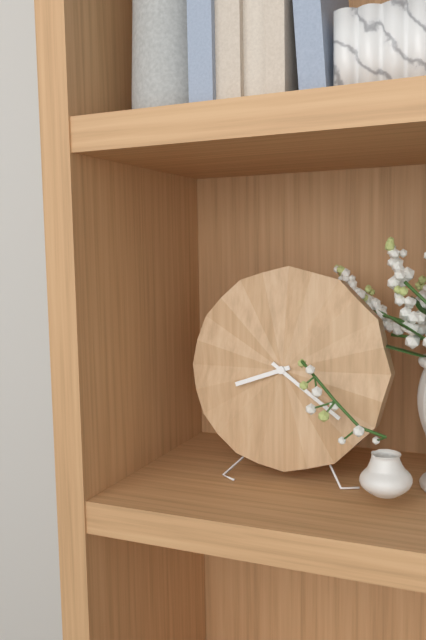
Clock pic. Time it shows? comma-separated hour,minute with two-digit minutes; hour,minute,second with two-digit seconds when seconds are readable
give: 8,21
